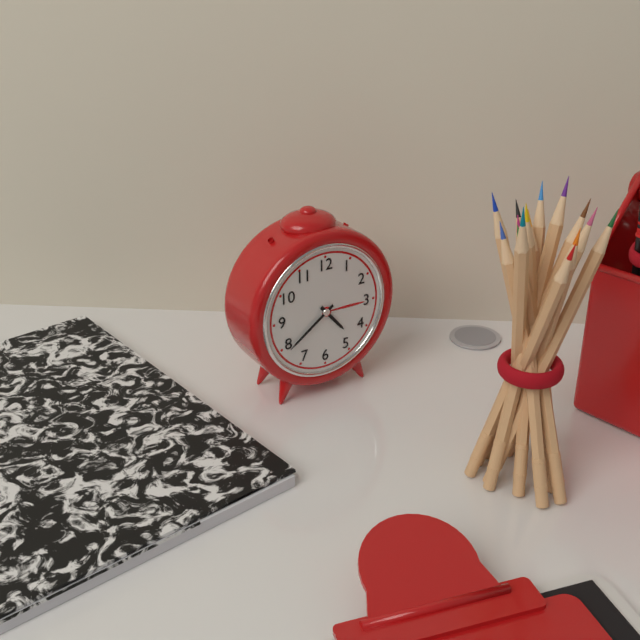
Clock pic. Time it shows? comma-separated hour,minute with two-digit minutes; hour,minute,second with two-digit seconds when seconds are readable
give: 4,39
